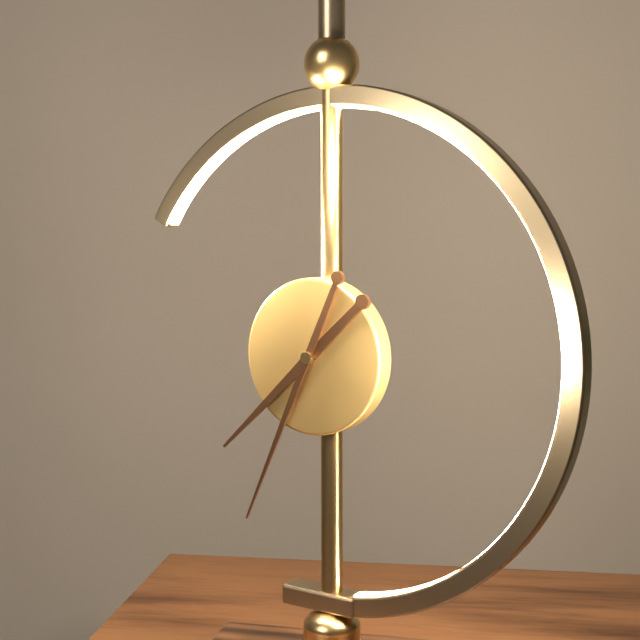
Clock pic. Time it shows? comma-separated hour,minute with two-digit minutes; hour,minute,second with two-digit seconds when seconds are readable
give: 7,34
